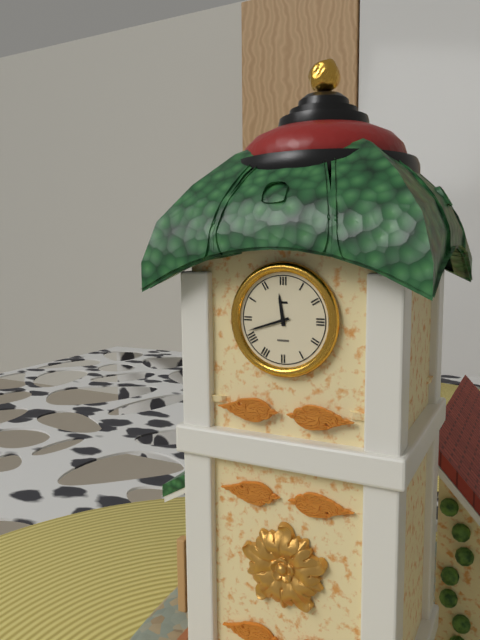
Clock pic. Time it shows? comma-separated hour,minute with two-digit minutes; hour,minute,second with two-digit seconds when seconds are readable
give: 11,42
